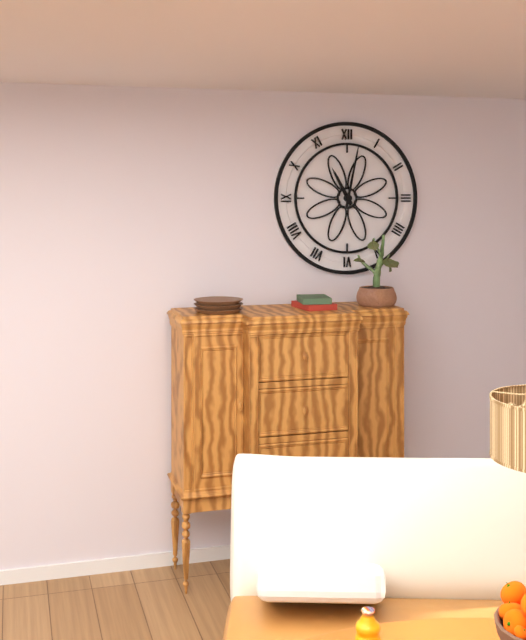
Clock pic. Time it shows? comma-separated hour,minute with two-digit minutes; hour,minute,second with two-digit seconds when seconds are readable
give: 11,02
